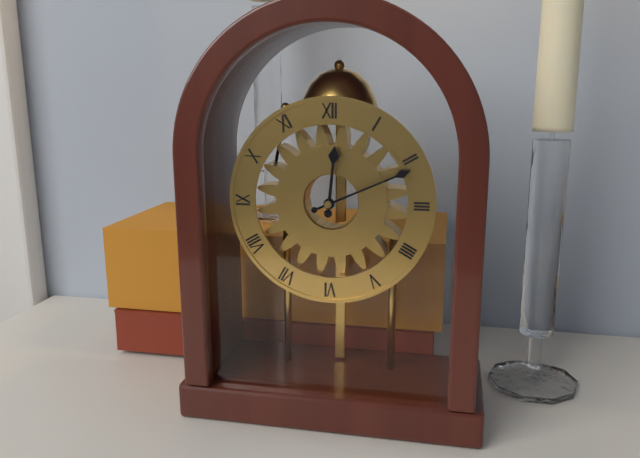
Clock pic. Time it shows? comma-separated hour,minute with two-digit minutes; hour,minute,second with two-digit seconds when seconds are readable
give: 12,11
